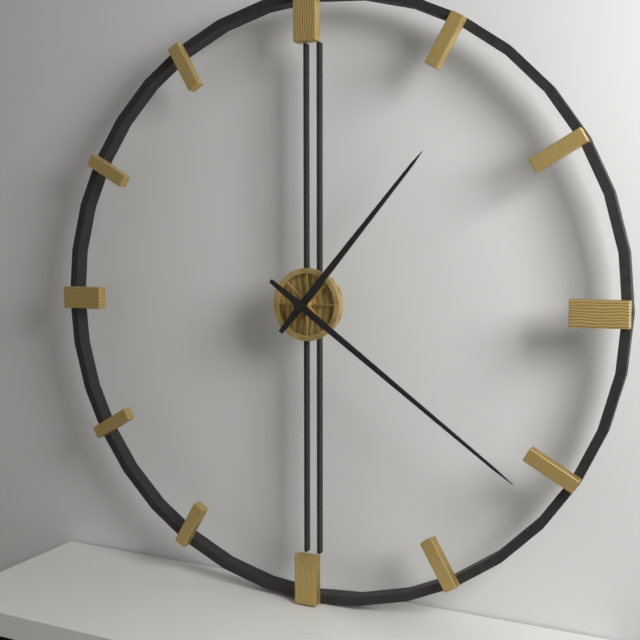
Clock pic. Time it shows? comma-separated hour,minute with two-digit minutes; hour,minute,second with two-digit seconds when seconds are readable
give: 1,21
